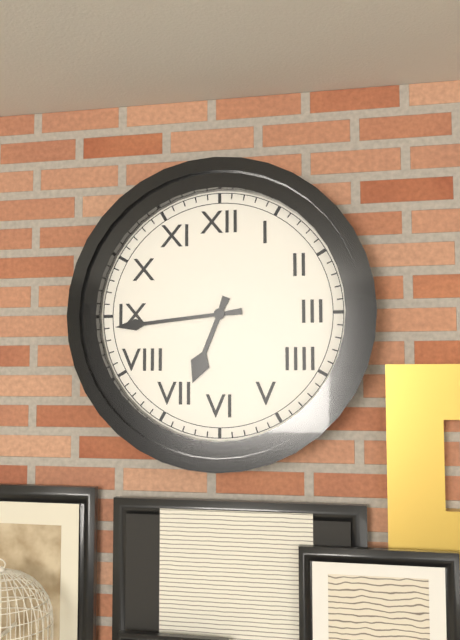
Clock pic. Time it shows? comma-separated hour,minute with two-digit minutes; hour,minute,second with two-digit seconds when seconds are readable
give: 6,44
